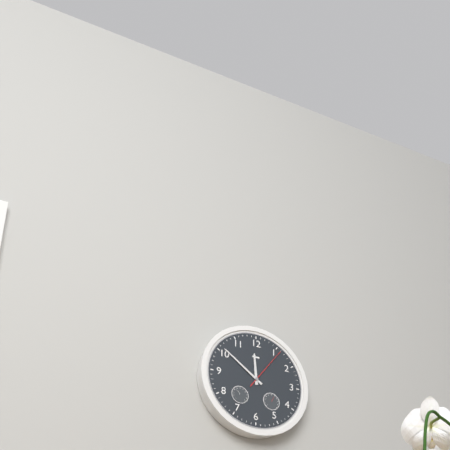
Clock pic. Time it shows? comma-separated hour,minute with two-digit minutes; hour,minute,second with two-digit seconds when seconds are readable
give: 11,51
